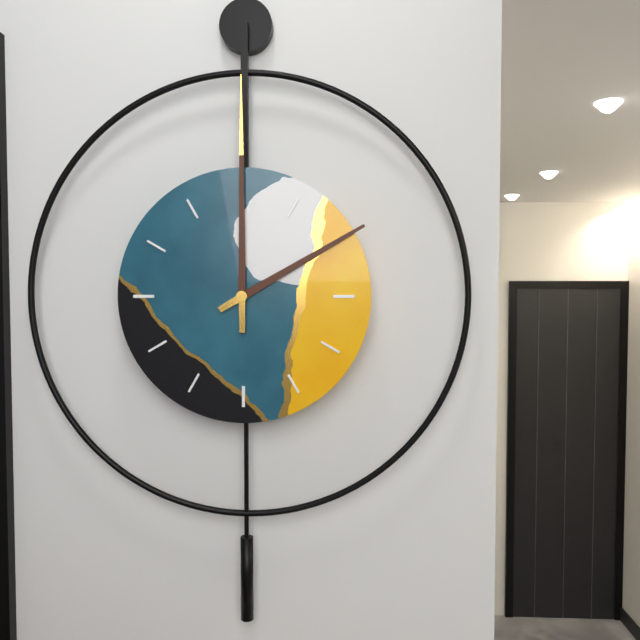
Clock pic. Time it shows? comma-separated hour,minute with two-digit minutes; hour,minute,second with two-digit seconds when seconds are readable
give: 2,00
